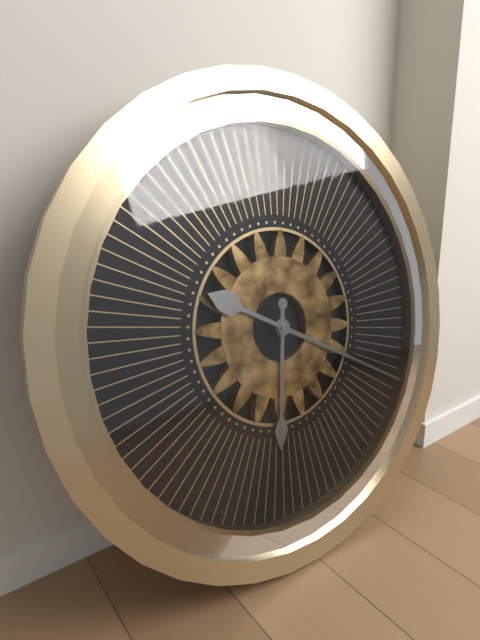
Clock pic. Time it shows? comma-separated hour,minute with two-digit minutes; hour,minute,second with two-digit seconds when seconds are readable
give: 6,20
